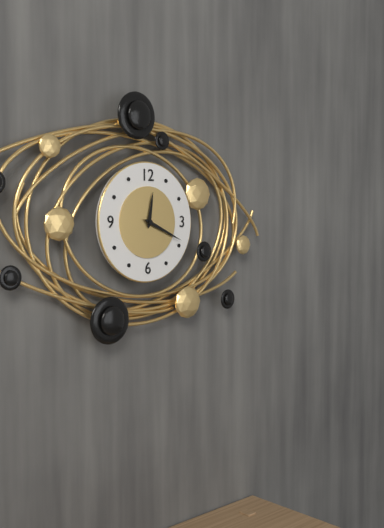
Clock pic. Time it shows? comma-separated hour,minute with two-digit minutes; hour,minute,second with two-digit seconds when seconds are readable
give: 12,19
